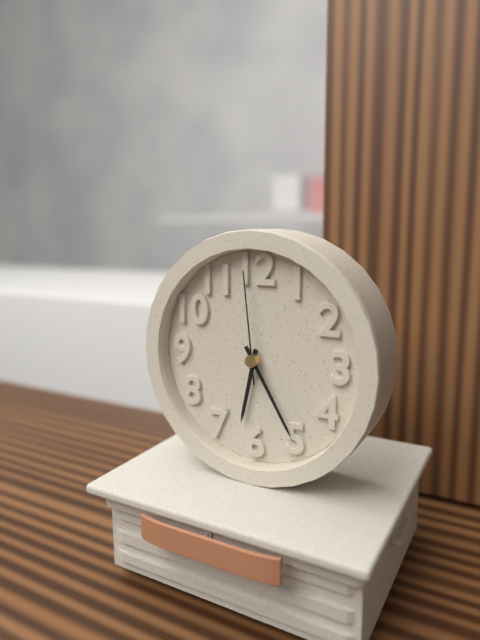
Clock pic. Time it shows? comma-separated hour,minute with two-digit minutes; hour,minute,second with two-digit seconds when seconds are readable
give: 6,25,59
